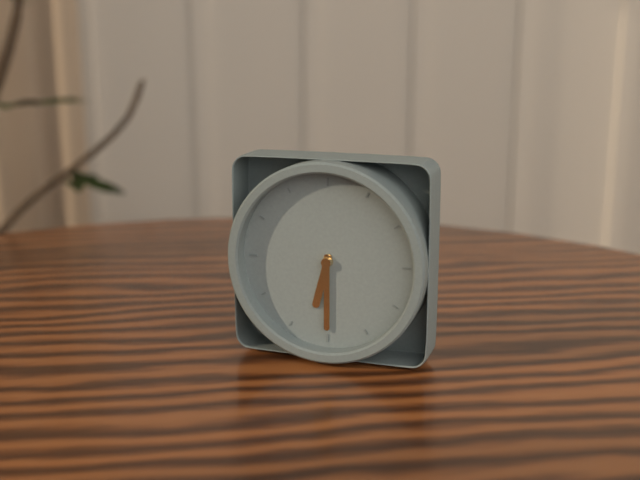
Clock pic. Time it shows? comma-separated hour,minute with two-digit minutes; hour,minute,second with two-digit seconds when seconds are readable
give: 6,30
